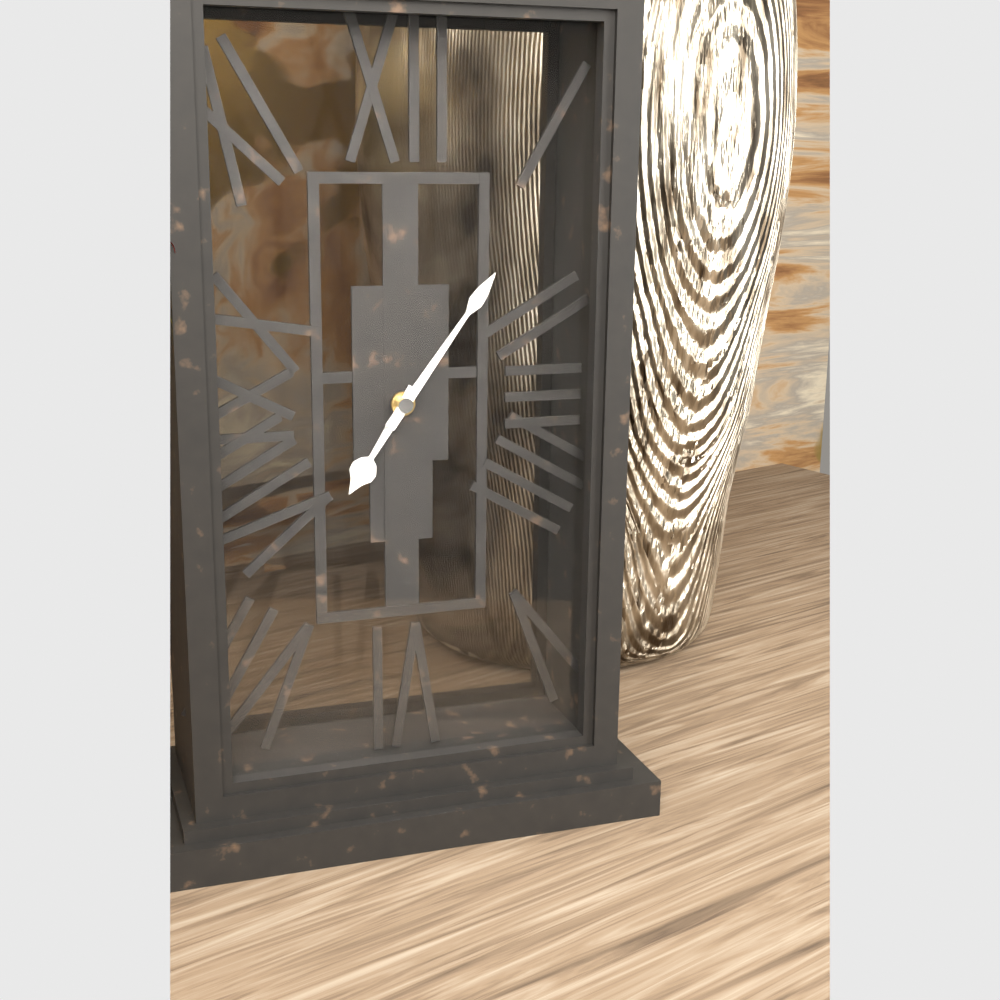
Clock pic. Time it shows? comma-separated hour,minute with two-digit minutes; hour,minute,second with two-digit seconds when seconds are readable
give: 7,06
